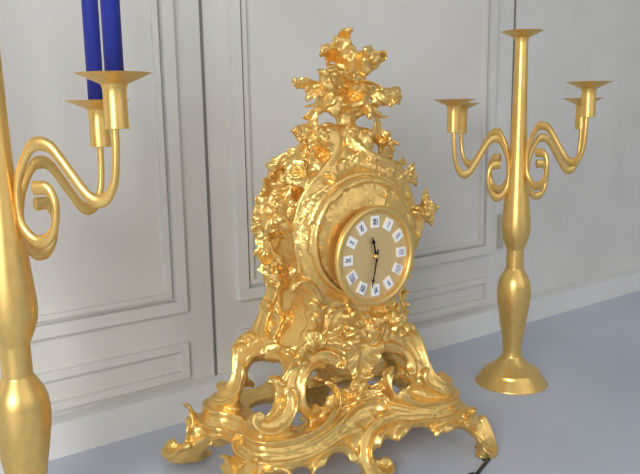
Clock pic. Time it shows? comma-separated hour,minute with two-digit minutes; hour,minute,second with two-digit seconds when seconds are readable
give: 11,32
